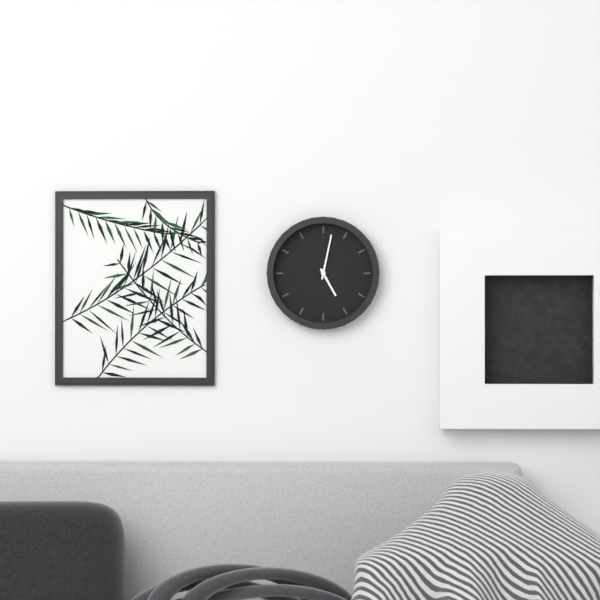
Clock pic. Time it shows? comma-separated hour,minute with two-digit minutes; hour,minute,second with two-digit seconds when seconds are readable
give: 5,02
